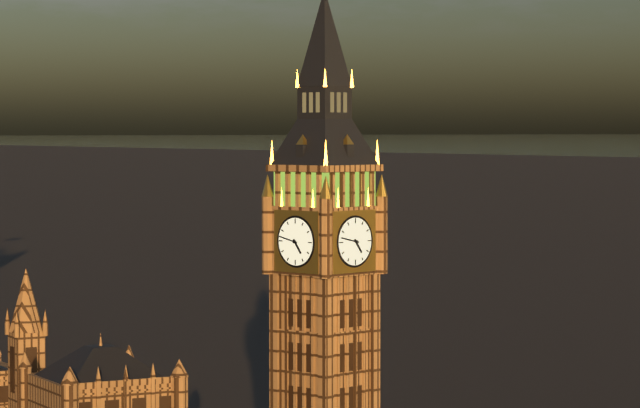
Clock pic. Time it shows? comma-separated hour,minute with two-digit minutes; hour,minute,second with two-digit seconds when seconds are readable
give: 4,47
